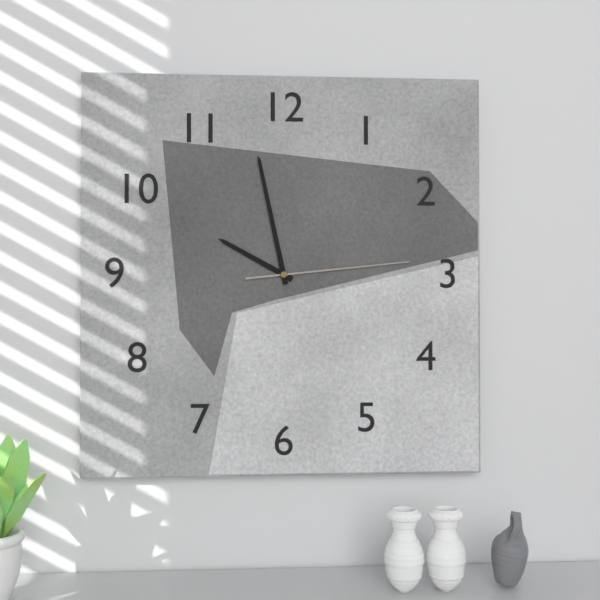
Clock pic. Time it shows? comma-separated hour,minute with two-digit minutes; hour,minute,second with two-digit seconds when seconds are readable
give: 9,58,14
